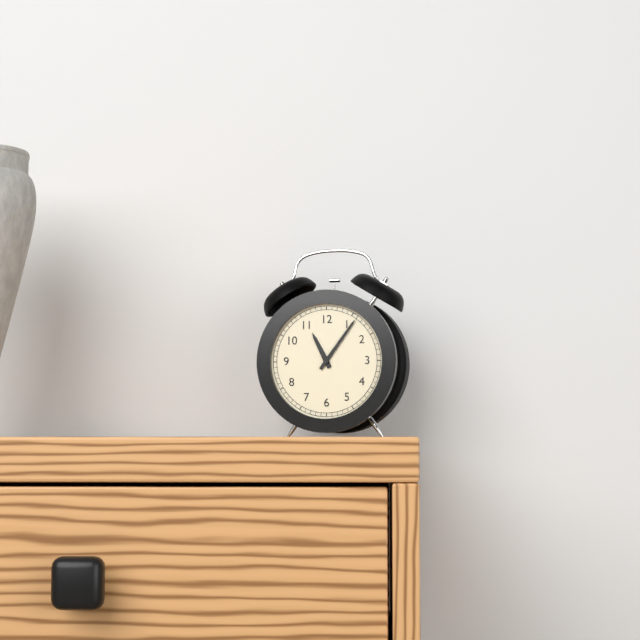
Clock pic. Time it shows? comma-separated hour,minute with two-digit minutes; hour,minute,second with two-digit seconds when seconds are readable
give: 11,06
